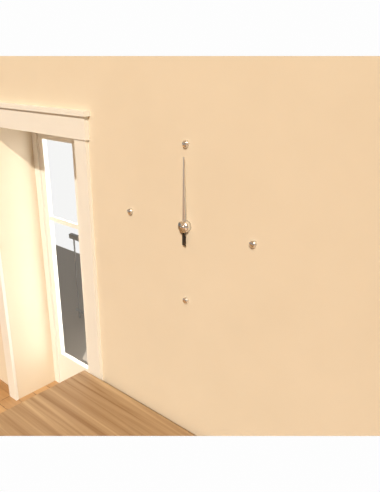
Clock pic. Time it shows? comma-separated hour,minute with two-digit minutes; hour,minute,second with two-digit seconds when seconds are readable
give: 12,00
